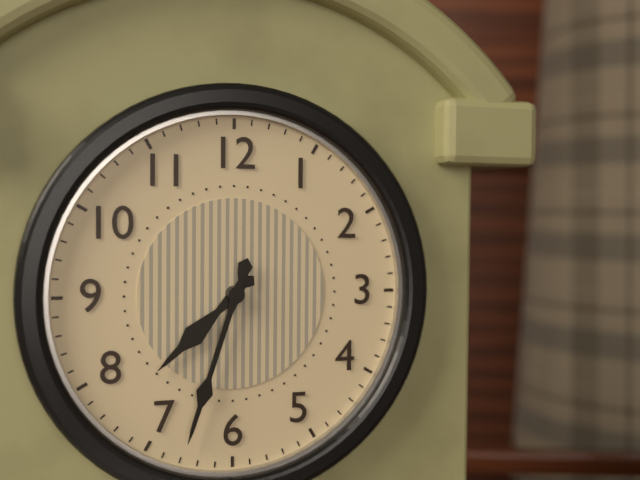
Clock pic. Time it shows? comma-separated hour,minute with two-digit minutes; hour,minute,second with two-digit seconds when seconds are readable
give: 7,33
